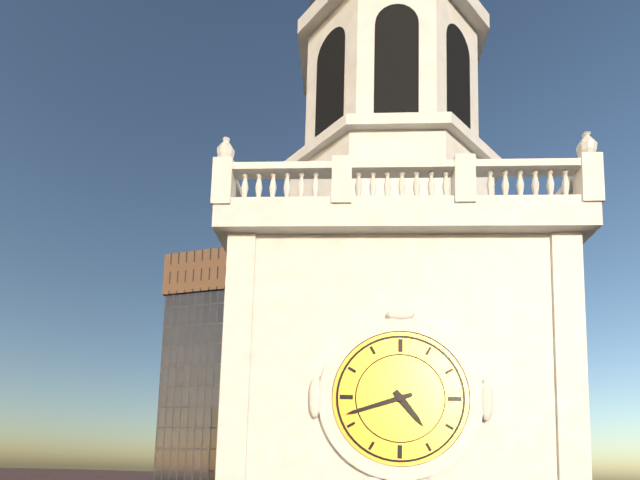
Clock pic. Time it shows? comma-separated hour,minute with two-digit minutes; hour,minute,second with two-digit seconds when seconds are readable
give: 4,42
